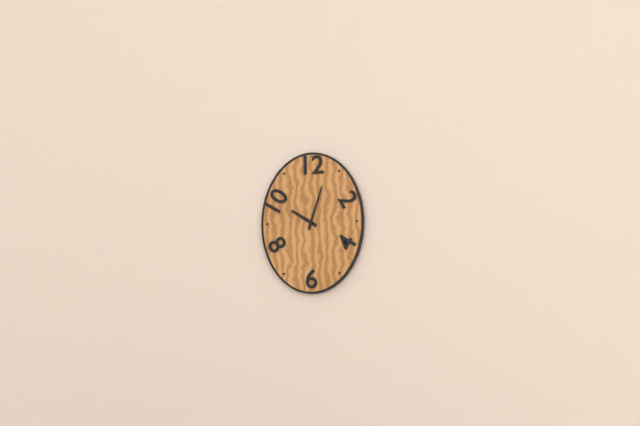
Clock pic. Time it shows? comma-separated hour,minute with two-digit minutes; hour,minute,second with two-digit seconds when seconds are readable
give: 10,03
